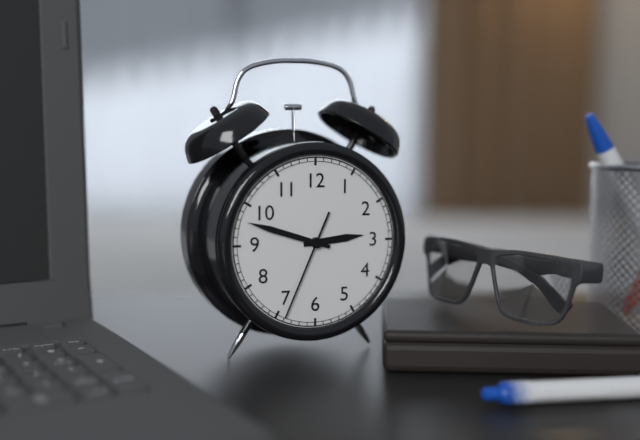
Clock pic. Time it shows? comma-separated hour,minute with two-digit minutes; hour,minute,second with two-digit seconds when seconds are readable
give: 2,48,34
